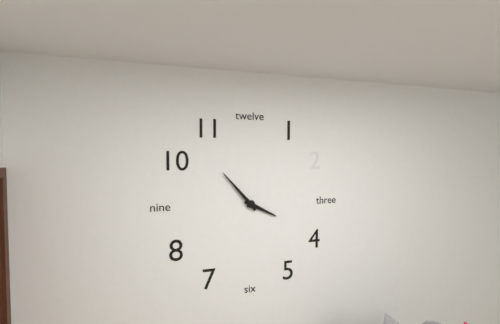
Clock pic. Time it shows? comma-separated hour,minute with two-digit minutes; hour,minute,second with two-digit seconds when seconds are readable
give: 3,53
